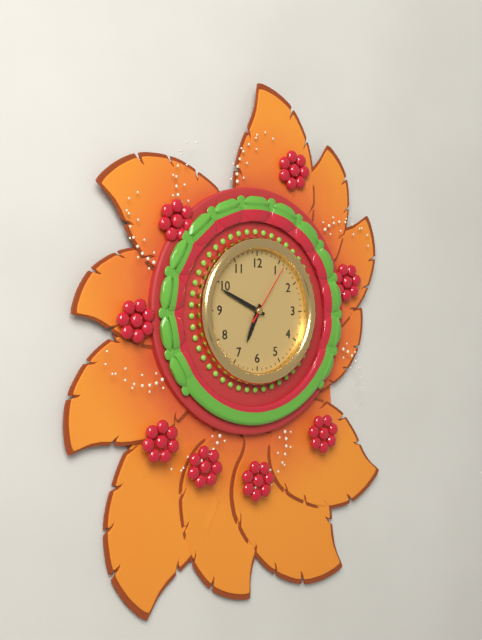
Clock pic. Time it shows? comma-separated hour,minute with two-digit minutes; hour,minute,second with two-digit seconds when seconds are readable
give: 6,49,06
